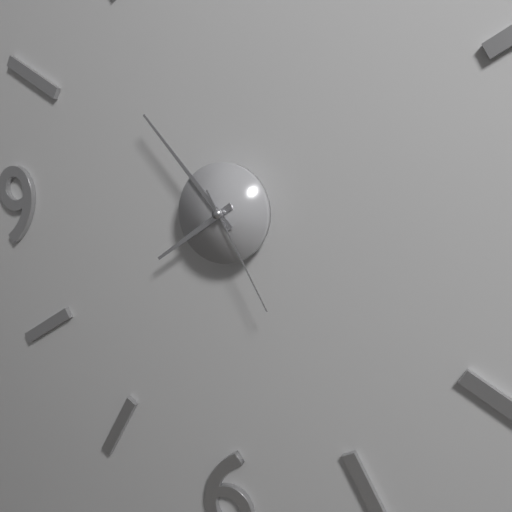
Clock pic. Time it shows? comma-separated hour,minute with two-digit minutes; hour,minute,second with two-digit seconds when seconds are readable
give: 7,53,25
